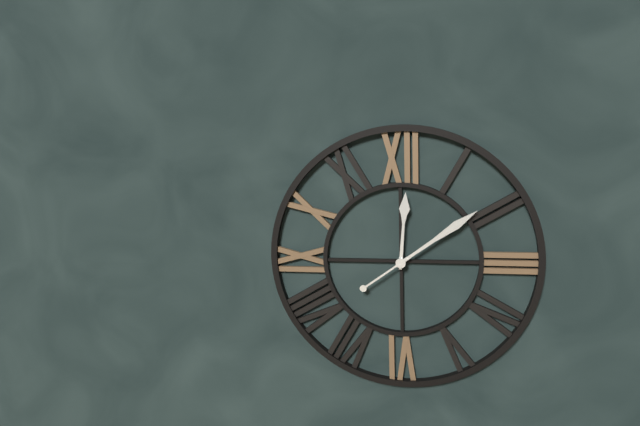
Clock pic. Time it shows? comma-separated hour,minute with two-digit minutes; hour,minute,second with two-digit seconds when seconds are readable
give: 12,09
